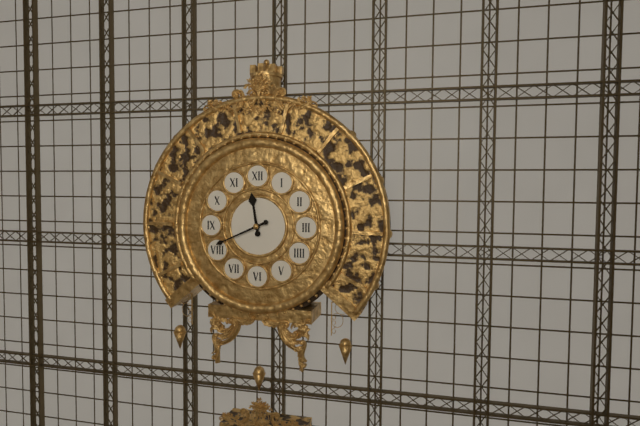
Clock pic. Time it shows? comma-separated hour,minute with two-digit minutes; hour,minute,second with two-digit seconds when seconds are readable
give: 11,41
